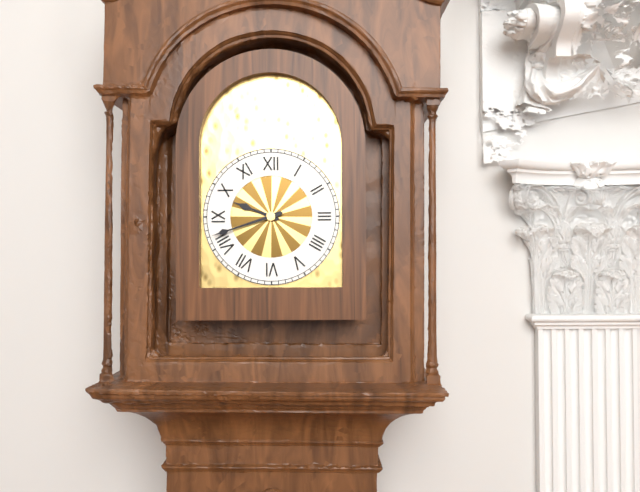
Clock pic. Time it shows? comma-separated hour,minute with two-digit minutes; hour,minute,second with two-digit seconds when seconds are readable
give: 9,42
